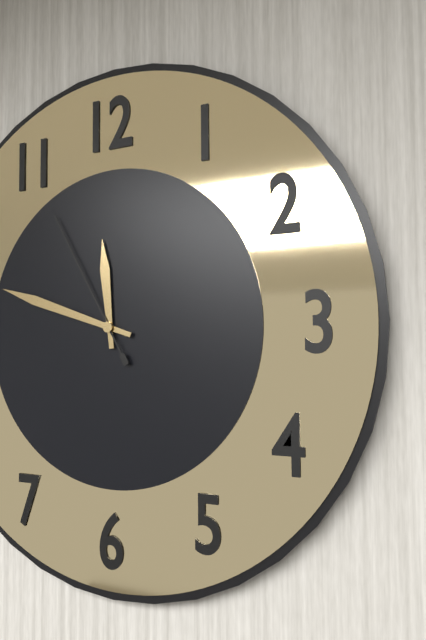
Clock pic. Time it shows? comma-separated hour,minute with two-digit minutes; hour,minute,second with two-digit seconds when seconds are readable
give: 11,48,55
